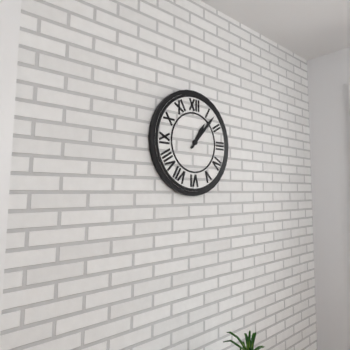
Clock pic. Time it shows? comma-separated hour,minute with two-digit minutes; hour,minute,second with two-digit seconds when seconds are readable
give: 1,07
